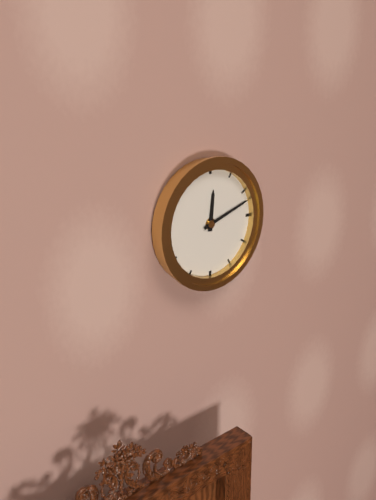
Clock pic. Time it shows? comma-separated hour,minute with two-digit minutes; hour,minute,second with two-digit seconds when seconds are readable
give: 12,12
